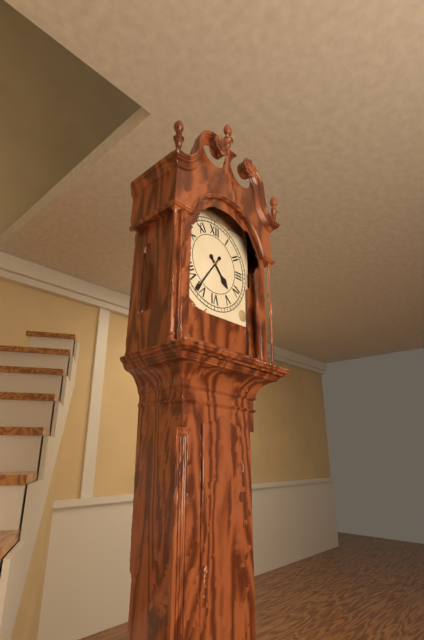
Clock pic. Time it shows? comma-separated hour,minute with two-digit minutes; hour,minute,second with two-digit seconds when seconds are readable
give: 4,36
